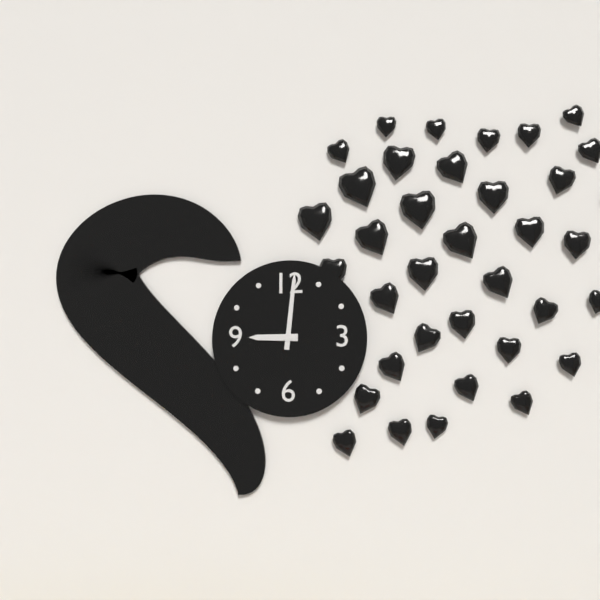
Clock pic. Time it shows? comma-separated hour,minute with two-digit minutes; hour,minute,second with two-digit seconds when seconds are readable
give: 9,01
